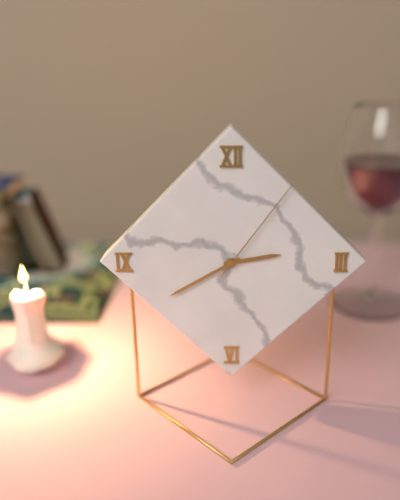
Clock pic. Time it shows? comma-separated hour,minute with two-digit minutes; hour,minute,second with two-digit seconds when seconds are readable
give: 2,40,06
